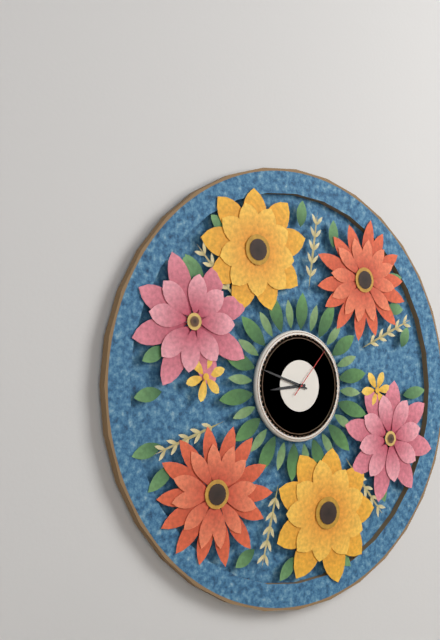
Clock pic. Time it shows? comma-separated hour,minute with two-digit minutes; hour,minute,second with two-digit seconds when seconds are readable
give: 8,48,07
